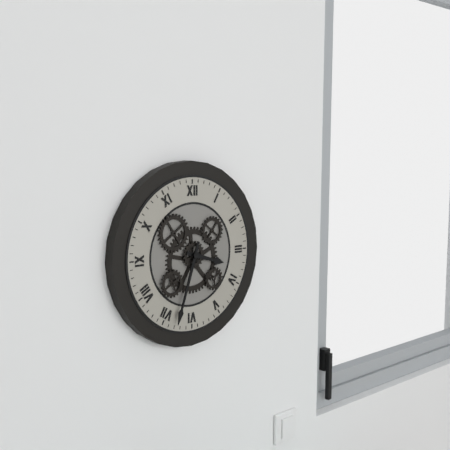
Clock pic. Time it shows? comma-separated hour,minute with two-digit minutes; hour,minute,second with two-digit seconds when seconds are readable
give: 3,33
